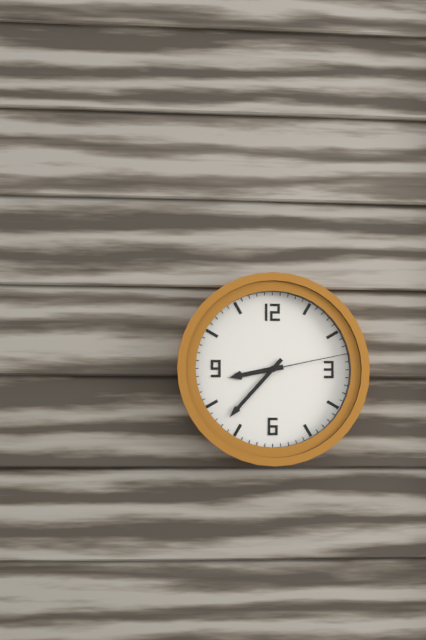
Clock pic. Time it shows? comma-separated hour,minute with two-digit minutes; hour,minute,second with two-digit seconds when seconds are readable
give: 8,37,13
